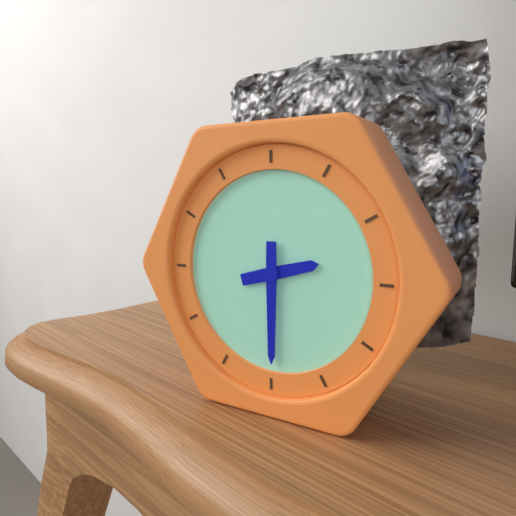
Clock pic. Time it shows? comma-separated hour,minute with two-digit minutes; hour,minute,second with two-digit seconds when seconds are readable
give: 2,30
